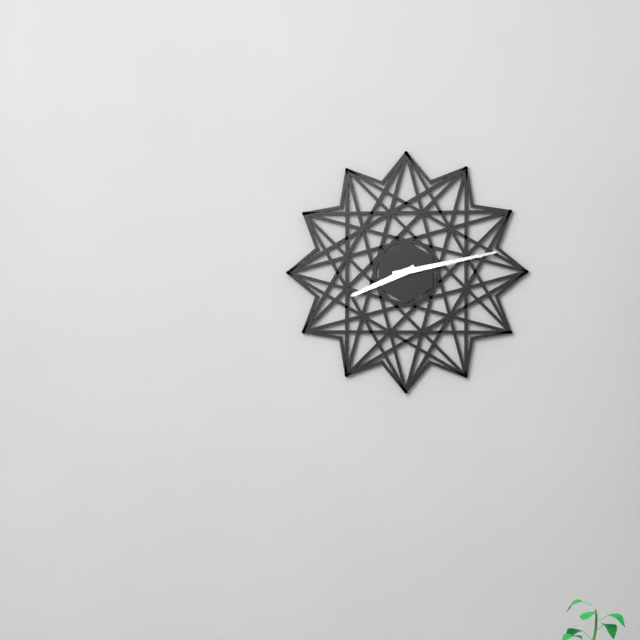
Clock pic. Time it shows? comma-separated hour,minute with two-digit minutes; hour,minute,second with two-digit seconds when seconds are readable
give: 8,13
